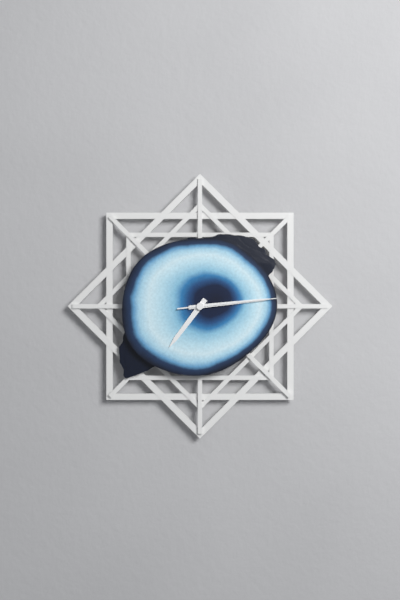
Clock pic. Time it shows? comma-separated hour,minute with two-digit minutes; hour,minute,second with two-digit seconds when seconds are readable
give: 7,14,14
